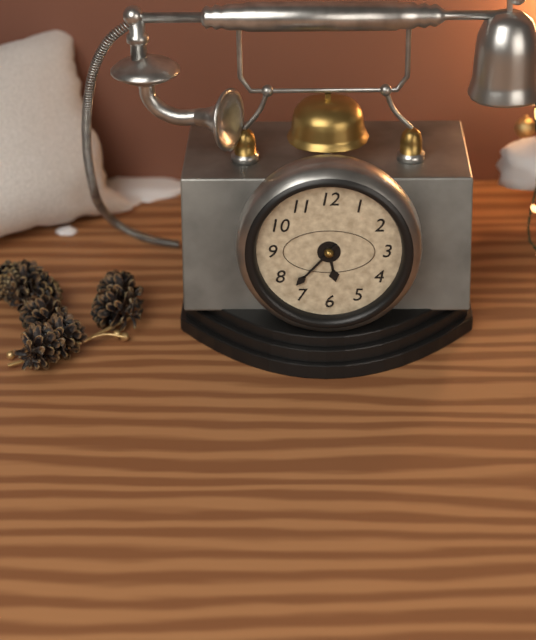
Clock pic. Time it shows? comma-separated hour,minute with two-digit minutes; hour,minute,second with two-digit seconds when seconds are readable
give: 5,37
